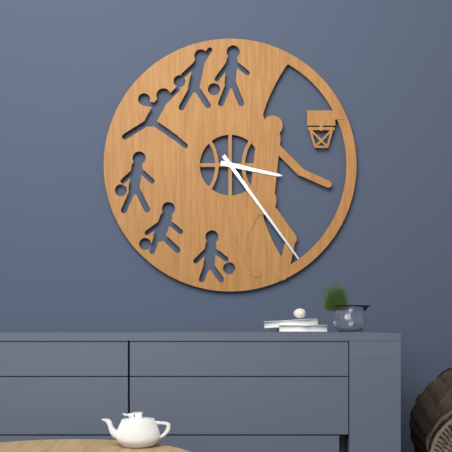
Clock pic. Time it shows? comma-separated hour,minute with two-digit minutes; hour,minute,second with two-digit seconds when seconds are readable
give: 3,24
